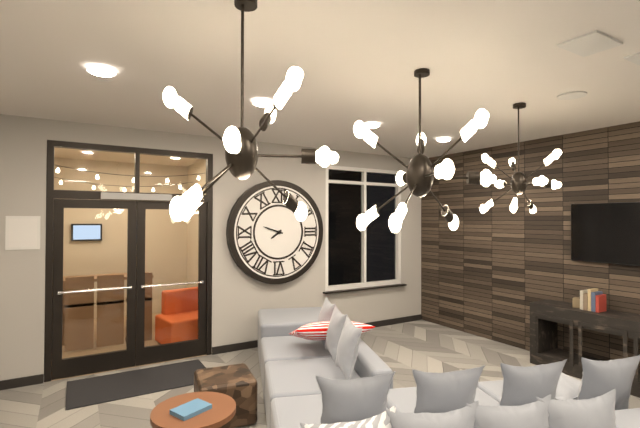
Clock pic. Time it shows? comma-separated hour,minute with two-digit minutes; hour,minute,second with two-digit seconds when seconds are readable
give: 7,48
